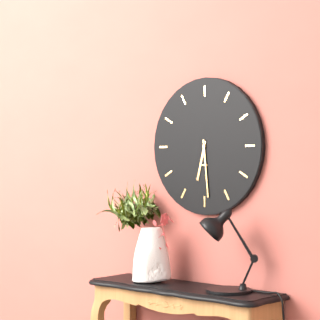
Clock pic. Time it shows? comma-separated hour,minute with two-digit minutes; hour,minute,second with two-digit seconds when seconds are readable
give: 6,29
